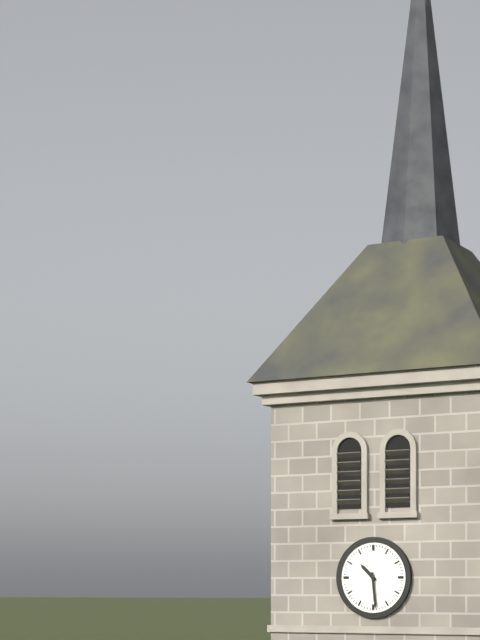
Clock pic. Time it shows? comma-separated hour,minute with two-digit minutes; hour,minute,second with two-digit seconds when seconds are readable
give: 10,29
